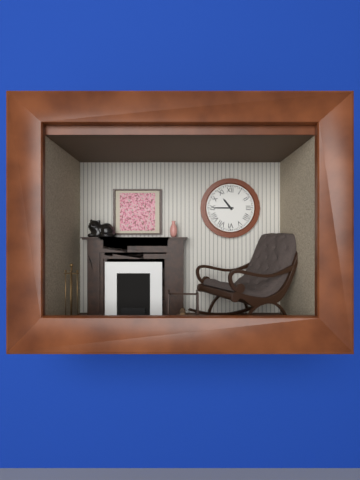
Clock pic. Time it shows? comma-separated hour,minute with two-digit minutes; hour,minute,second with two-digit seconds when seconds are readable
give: 10,45
